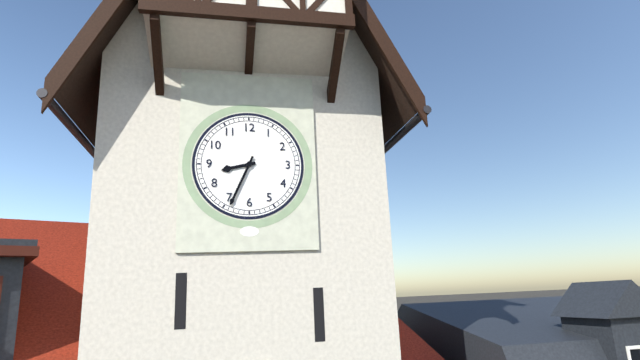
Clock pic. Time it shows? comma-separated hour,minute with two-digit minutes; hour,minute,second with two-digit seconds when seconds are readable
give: 8,34
